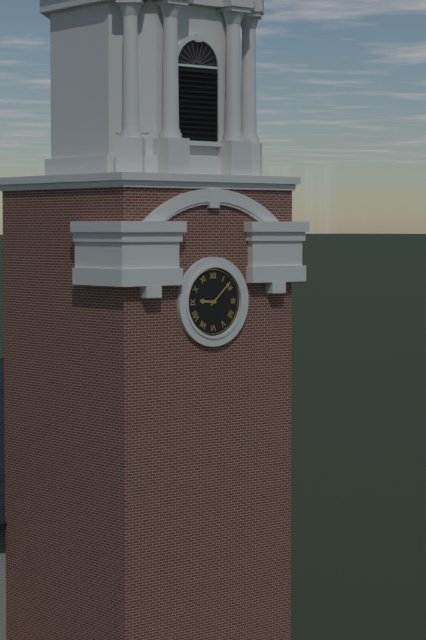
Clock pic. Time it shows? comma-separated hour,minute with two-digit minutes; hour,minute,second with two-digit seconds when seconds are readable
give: 9,08
